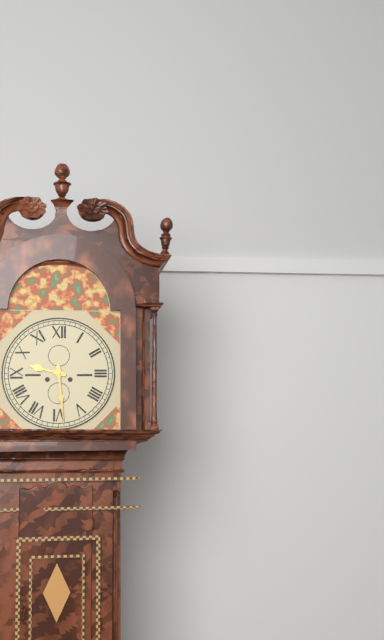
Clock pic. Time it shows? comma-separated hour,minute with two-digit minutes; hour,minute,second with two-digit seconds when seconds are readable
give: 9,29
